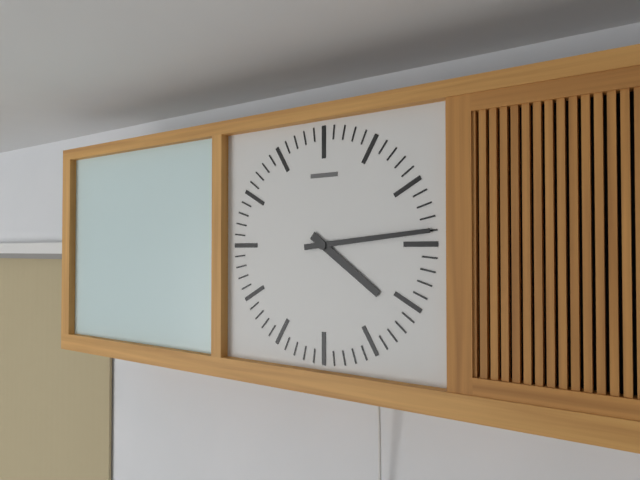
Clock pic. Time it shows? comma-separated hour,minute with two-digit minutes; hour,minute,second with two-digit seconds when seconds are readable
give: 4,14
